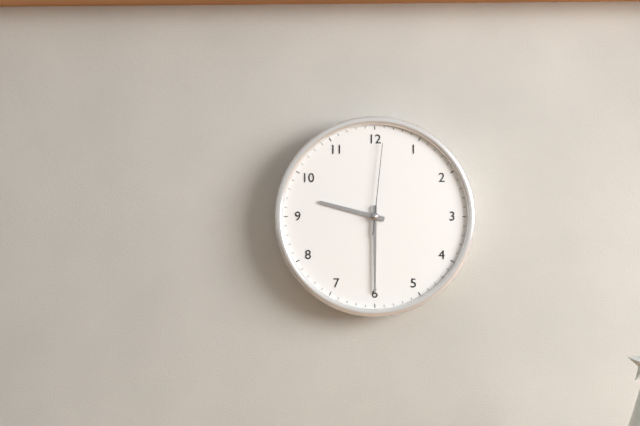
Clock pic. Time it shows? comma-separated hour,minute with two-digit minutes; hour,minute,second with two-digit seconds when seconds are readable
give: 9,30,01
